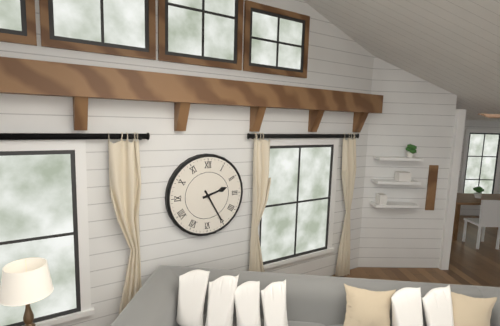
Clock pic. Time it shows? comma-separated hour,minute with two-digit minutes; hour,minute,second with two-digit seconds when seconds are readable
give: 2,25
